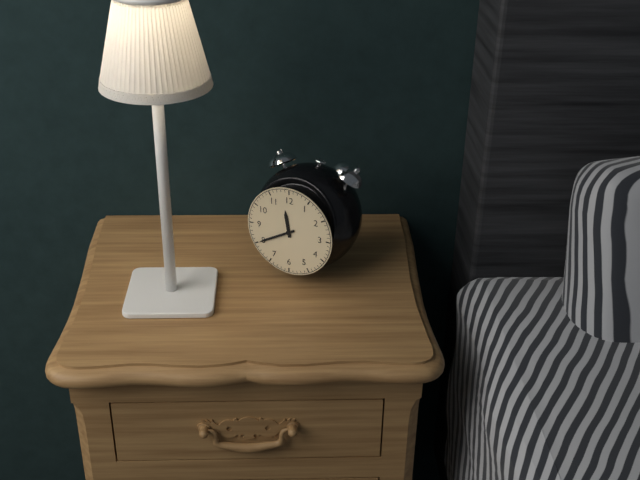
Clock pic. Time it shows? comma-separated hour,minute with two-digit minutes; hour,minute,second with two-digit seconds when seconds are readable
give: 11,40
